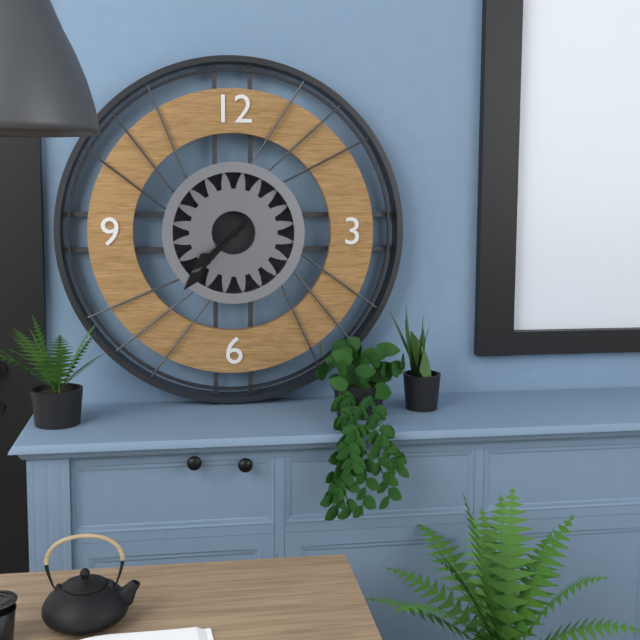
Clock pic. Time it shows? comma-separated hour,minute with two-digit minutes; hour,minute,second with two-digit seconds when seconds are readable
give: 7,37
